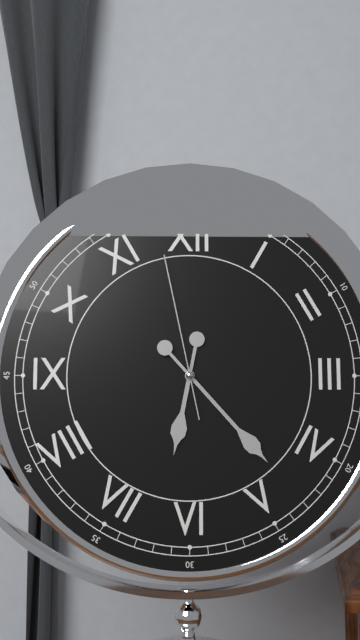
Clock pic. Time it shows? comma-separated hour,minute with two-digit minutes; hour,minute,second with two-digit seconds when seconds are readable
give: 6,23,58
